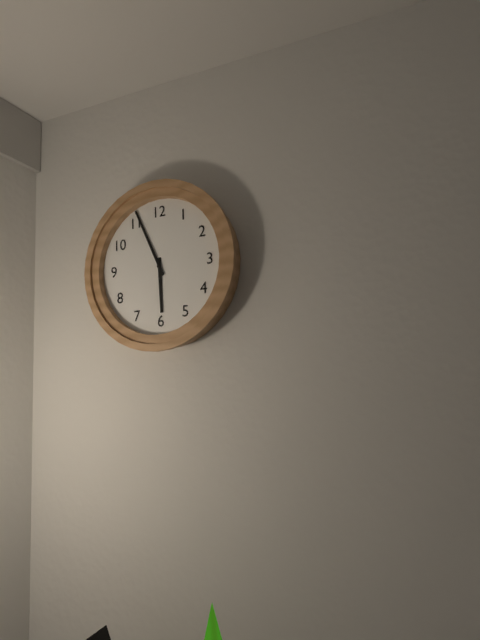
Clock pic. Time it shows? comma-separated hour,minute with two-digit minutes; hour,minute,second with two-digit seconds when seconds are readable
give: 5,56
